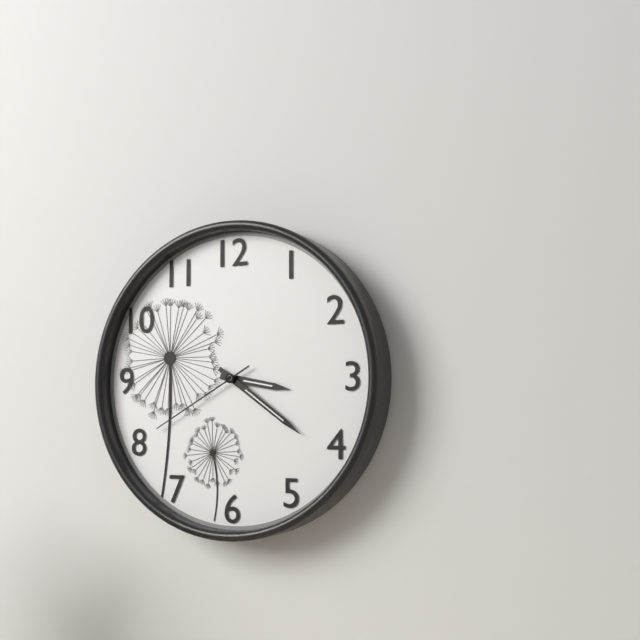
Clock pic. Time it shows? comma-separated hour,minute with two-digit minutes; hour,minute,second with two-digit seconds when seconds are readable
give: 3,21,40
